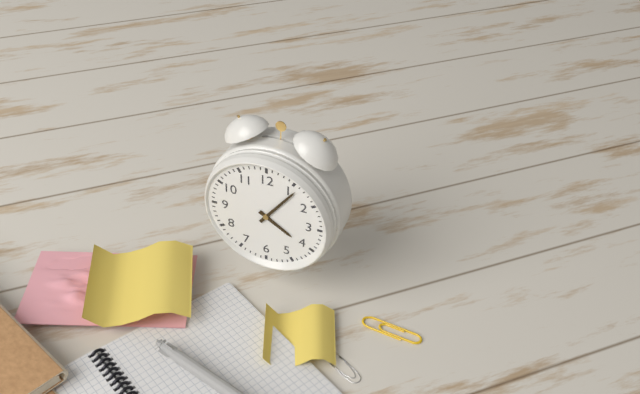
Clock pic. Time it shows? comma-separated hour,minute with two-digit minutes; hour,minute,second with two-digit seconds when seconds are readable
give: 4,06
